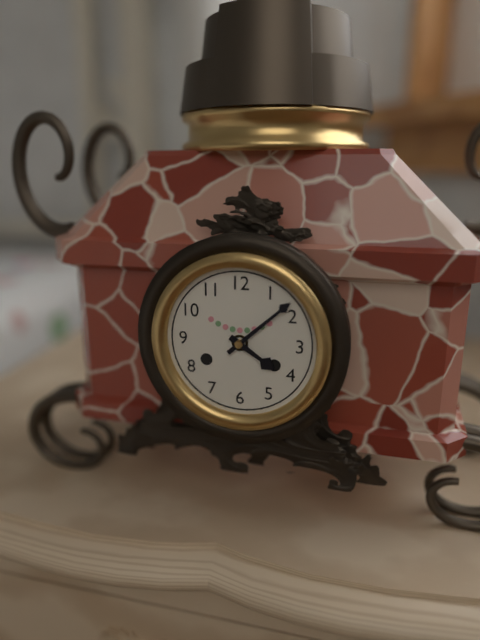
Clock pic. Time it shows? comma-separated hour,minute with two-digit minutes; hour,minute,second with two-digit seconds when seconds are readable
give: 4,08
